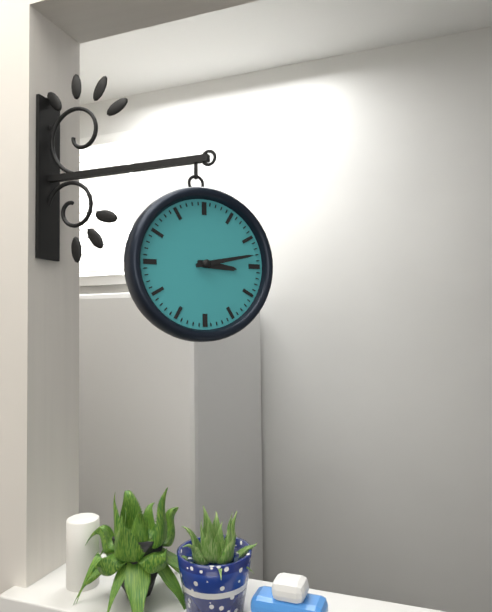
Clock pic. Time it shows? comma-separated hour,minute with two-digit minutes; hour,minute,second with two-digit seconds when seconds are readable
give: 3,13
